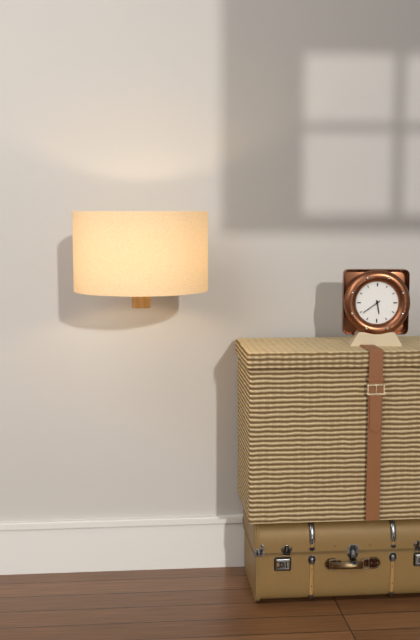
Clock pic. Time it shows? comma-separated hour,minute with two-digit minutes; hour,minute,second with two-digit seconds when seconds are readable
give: 5,39
